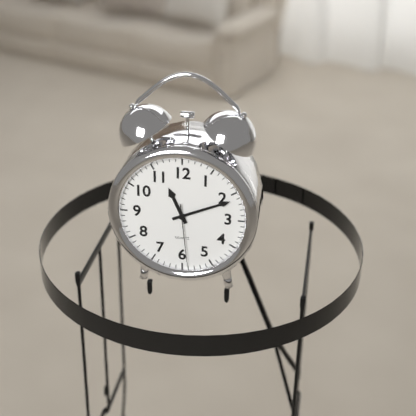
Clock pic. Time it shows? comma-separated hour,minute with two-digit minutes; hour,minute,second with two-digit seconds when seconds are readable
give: 11,11,29
